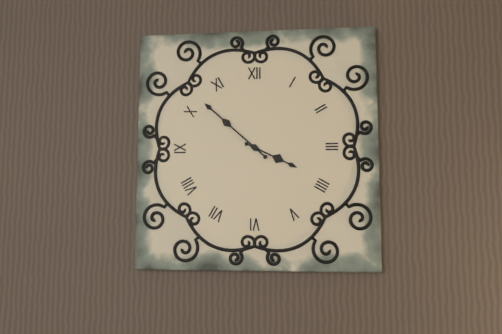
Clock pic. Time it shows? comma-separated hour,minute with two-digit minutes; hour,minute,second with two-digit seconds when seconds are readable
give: 3,52
